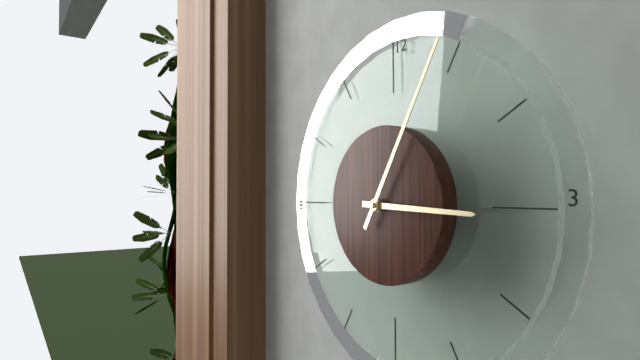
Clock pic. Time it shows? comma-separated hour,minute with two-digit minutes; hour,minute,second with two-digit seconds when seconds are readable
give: 3,05
